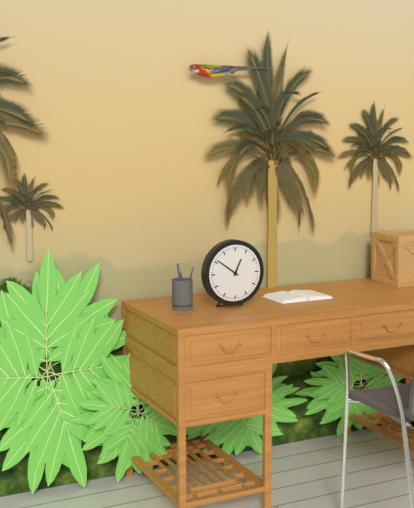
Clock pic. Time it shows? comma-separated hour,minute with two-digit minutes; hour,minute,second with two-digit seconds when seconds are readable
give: 12,51
